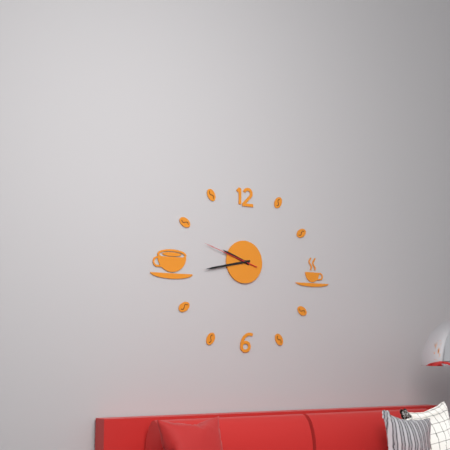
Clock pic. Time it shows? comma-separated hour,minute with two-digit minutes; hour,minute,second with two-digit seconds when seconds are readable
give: 9,43,48
